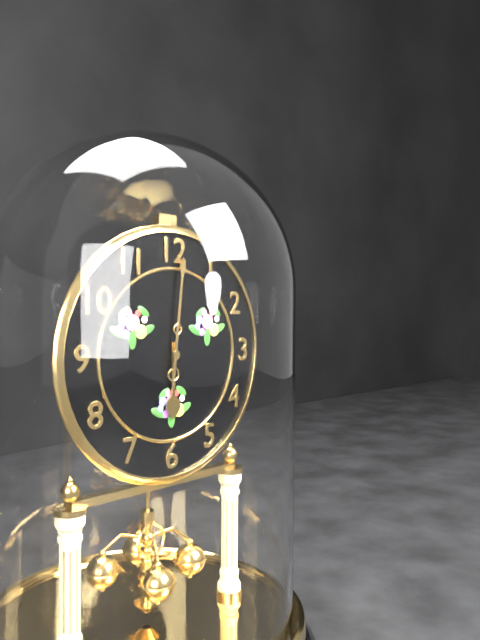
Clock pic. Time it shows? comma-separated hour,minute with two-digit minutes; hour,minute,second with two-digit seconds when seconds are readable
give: 6,01
